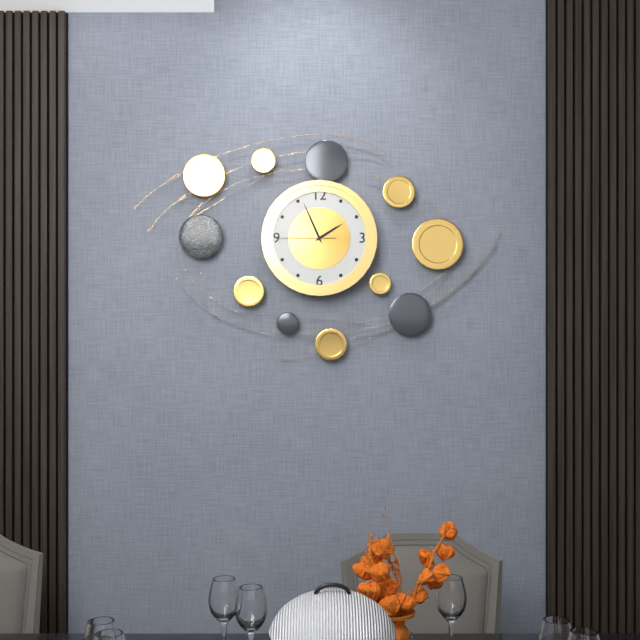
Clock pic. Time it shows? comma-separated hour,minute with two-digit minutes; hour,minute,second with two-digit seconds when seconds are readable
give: 1,56,45
